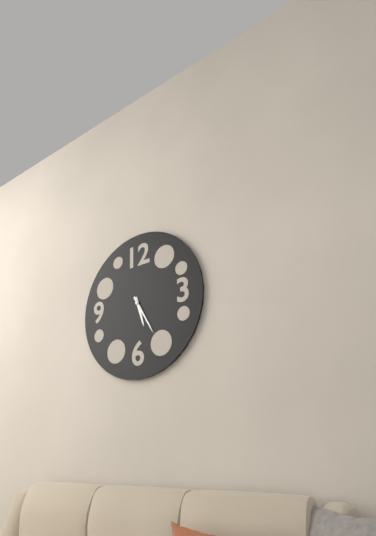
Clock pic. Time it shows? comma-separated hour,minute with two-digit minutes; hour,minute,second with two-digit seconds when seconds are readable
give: 5,25
